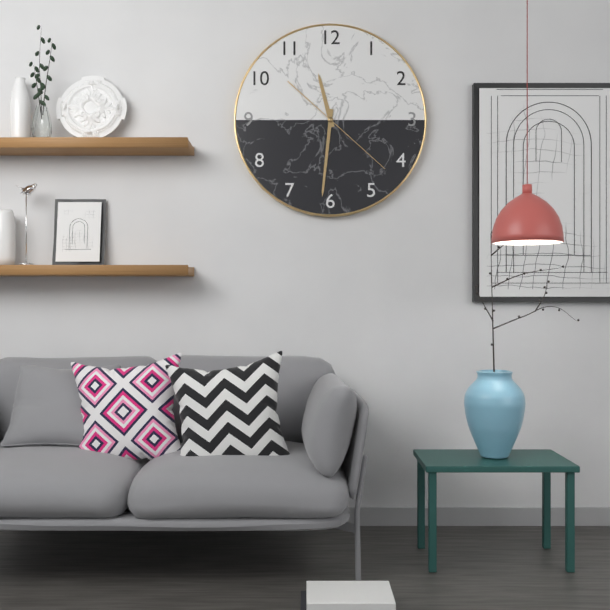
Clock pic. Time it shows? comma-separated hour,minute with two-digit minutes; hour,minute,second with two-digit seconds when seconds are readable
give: 11,31,22
